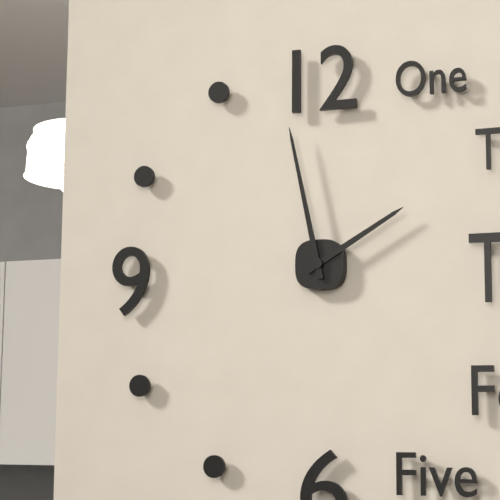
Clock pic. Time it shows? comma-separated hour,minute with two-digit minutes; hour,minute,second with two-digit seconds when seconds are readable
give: 1,58
